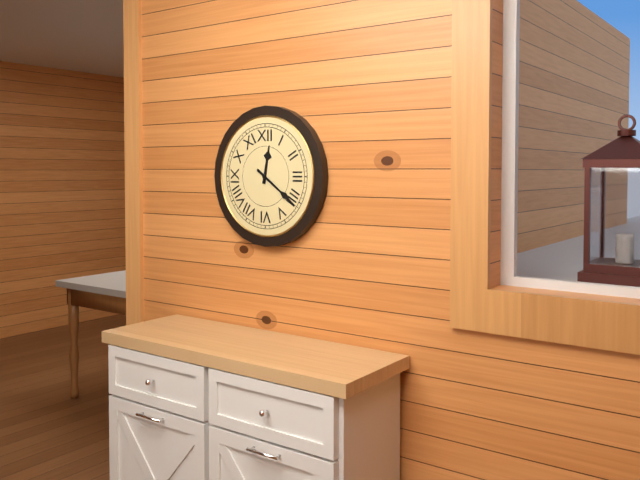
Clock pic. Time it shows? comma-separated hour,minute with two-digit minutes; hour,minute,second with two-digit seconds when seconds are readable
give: 12,21
